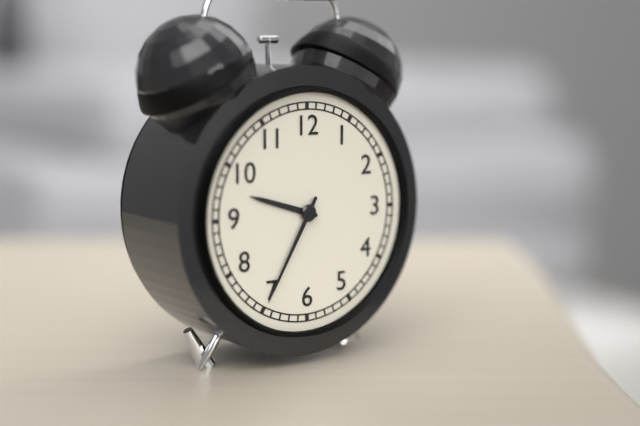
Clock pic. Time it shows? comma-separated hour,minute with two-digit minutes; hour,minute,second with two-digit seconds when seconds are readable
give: 9,35
